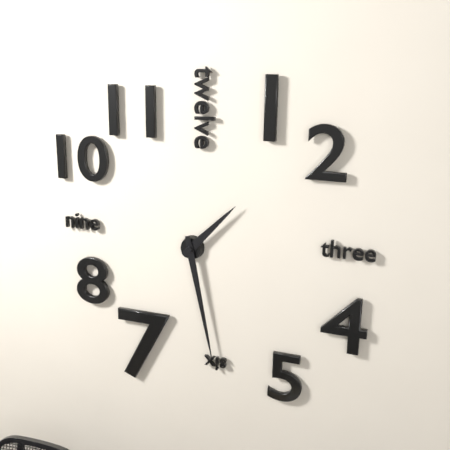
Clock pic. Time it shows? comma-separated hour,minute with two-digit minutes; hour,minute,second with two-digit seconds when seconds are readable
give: 1,28
